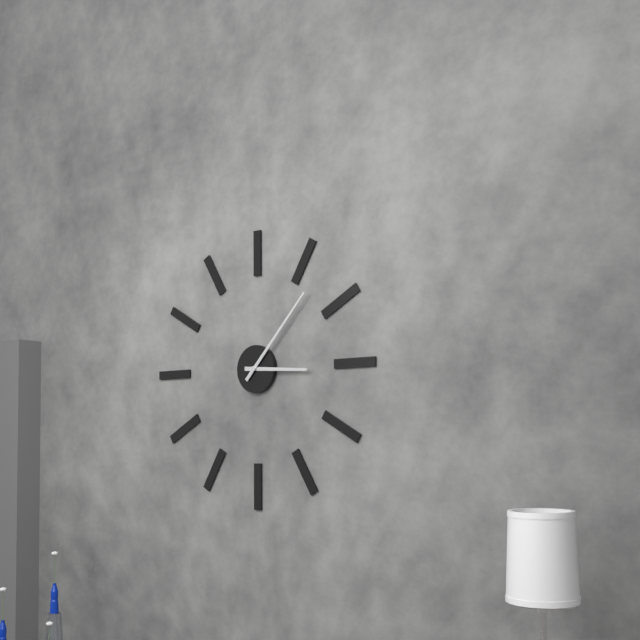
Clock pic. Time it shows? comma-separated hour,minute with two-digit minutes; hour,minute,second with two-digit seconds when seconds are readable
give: 3,07
